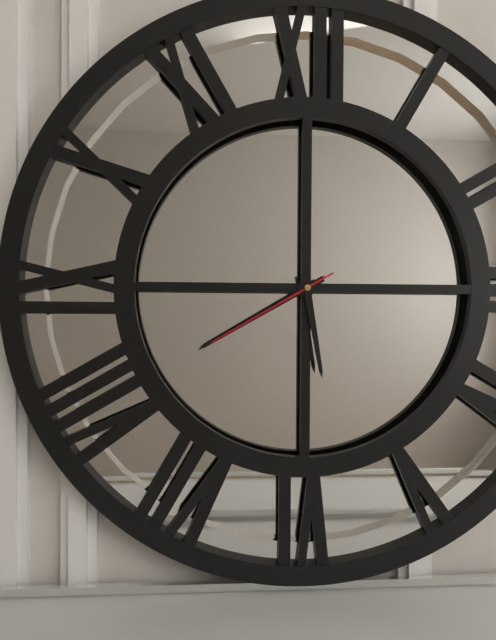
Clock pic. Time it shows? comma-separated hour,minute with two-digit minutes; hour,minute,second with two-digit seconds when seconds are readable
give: 5,40,40
